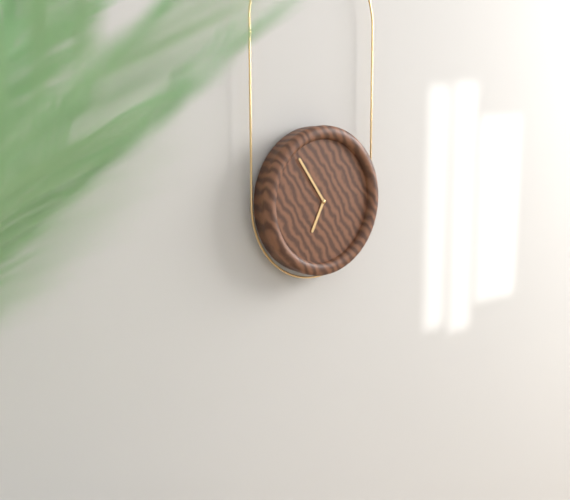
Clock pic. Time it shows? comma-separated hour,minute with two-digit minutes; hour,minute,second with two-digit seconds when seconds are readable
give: 6,54
